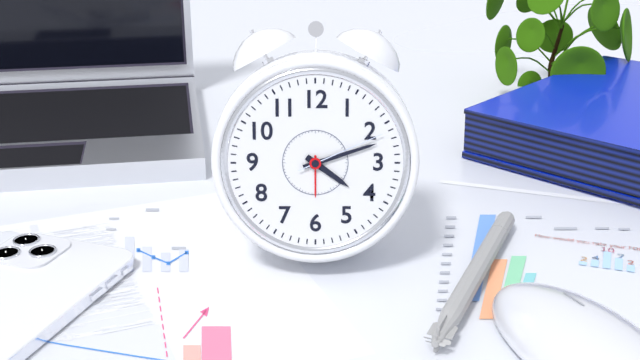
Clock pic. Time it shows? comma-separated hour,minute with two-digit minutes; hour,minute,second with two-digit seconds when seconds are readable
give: 4,12,11
